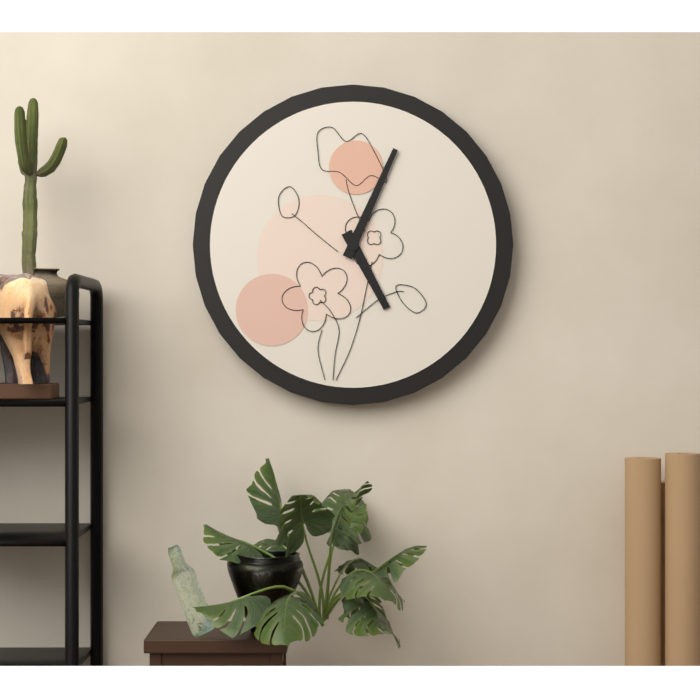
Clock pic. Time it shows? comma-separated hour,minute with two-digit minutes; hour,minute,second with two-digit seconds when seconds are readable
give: 5,04
